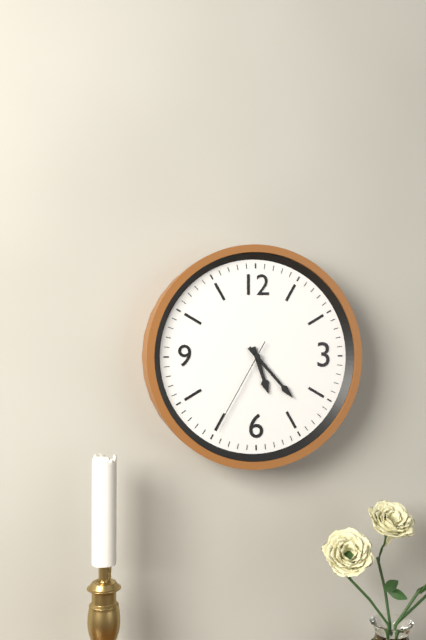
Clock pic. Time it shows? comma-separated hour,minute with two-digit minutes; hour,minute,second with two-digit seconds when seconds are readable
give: 5,23,35
